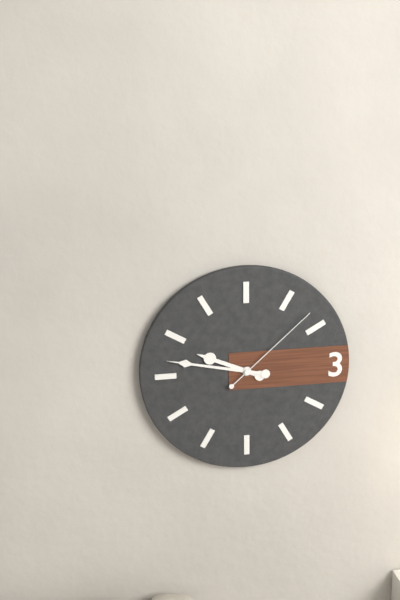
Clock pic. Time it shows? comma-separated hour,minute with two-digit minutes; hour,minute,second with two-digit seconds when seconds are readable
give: 9,47,08
